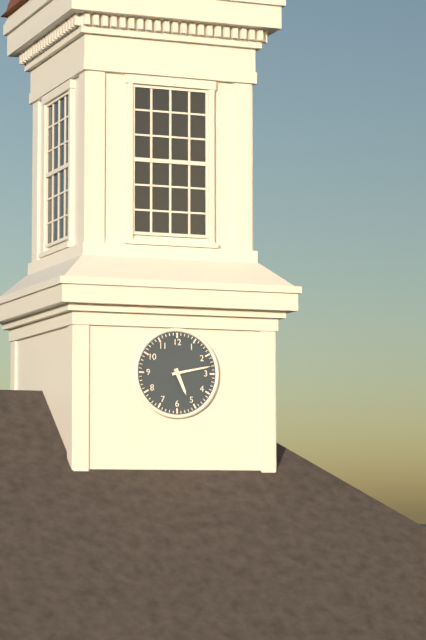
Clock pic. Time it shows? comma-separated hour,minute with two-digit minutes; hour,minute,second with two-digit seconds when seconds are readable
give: 5,13
